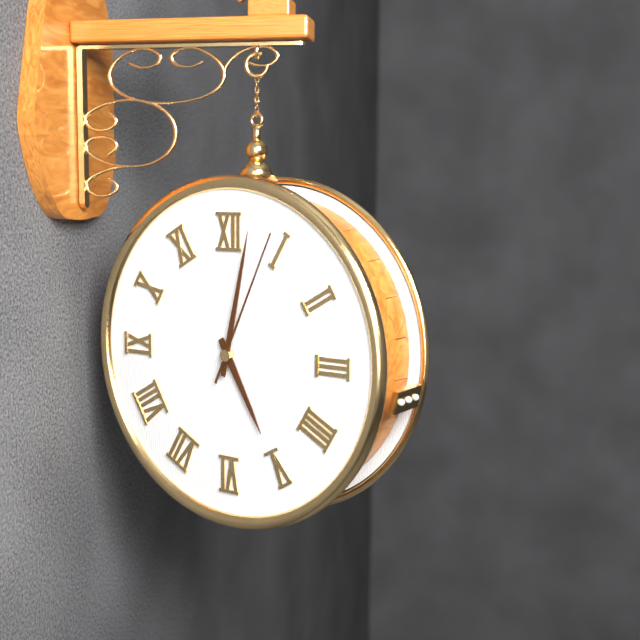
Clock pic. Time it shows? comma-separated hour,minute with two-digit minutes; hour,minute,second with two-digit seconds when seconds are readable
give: 5,02,04
